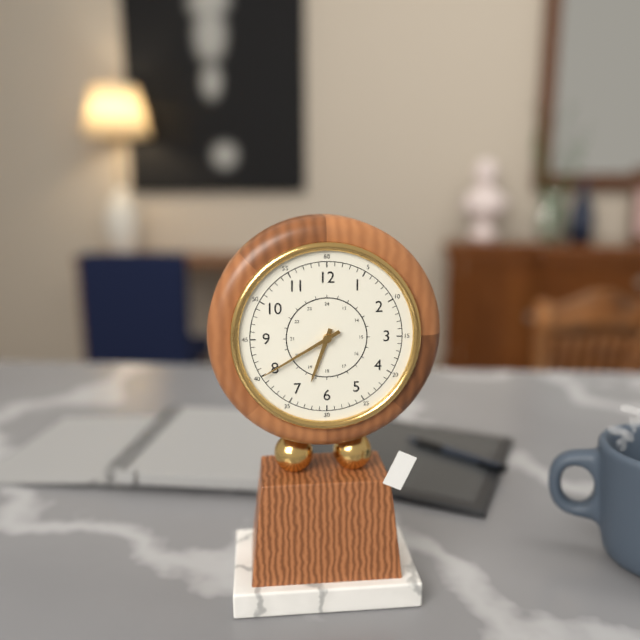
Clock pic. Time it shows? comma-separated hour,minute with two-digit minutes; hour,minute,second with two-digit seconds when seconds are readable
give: 6,40
